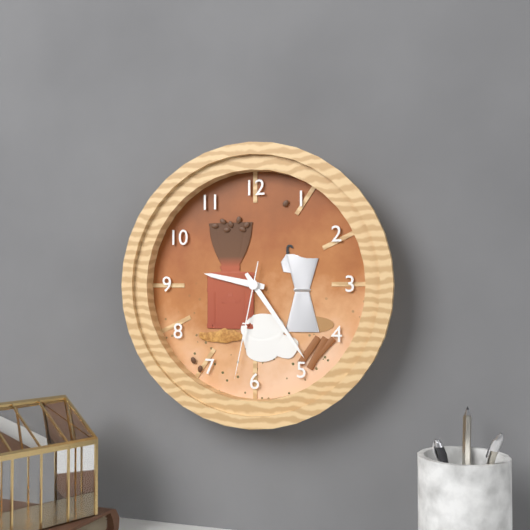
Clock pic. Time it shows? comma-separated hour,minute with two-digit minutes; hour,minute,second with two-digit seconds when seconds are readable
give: 9,24,32
